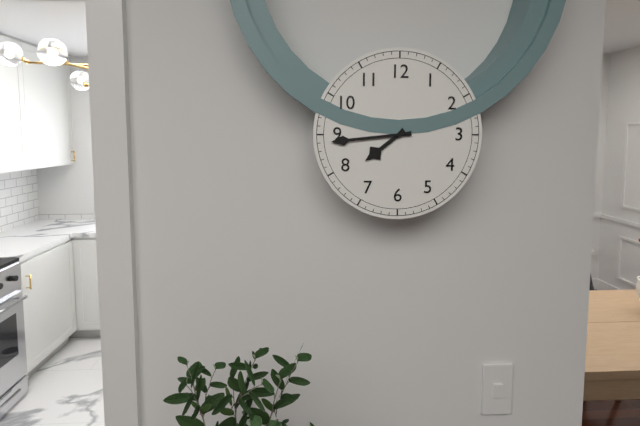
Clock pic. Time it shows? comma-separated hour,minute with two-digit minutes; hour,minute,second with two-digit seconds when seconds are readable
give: 7,44
